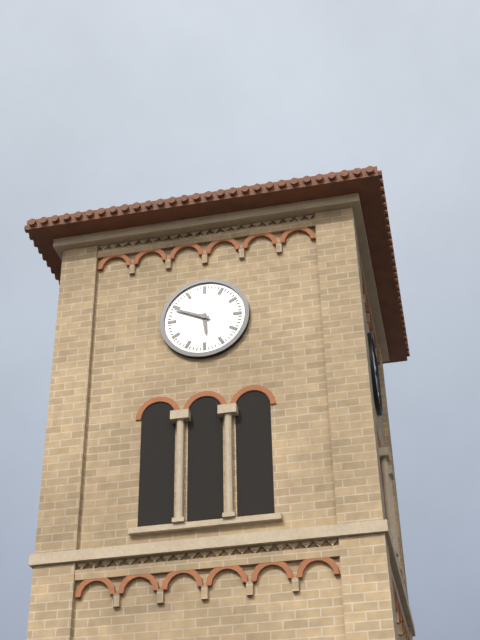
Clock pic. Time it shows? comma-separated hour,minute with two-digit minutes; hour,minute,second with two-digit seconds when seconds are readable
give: 5,49
